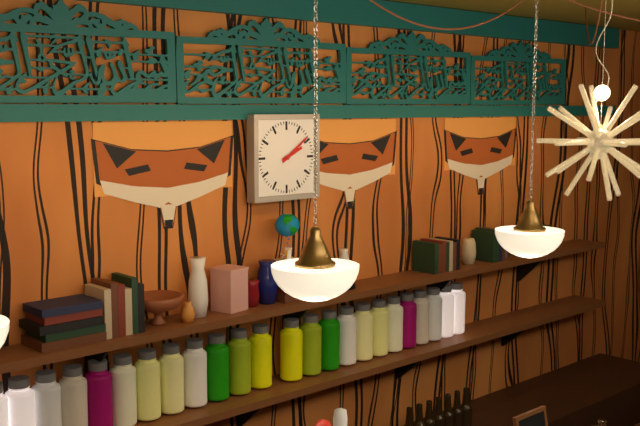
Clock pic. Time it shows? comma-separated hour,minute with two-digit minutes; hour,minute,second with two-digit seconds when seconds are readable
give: 2,09
